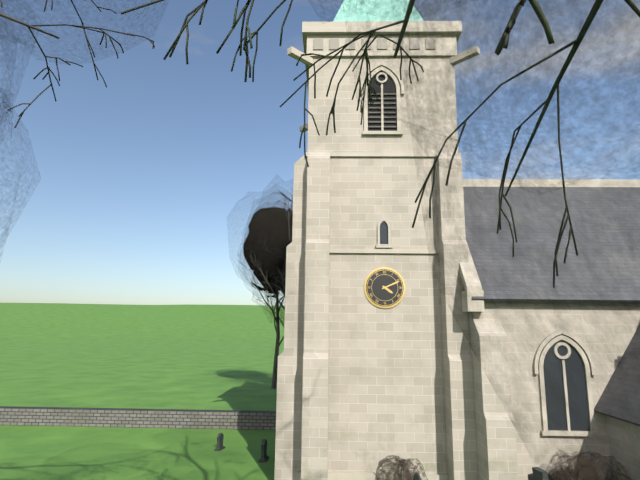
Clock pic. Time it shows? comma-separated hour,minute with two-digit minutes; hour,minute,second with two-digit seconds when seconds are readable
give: 4,11
